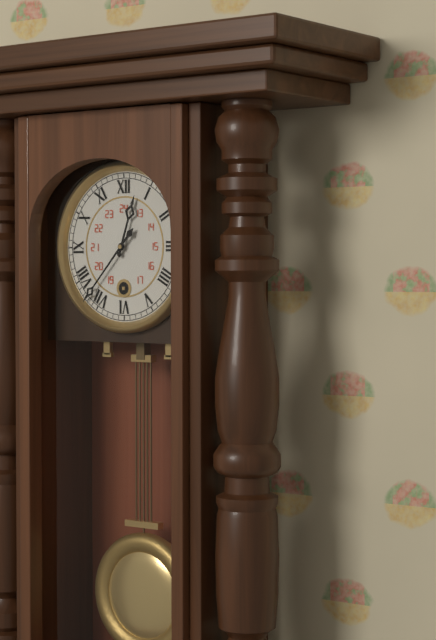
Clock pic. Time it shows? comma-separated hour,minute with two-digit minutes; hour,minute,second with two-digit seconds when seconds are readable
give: 12,37
